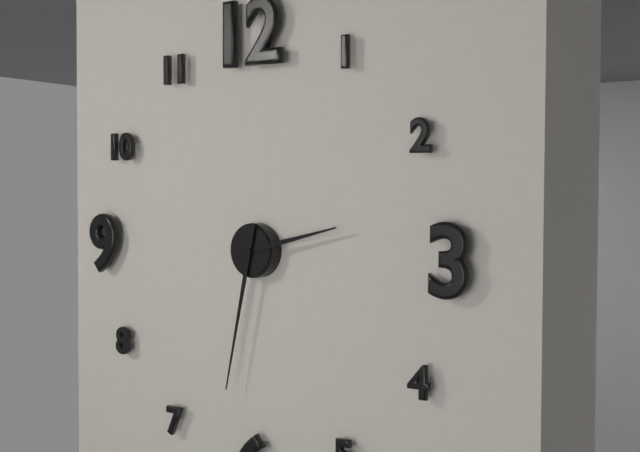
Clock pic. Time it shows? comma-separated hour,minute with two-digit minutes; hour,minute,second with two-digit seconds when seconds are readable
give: 2,32
